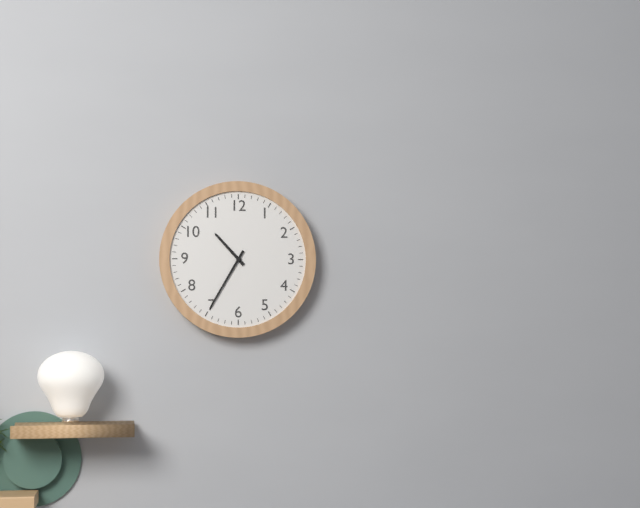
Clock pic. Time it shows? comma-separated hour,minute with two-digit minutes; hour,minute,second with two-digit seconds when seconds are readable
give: 10,35
